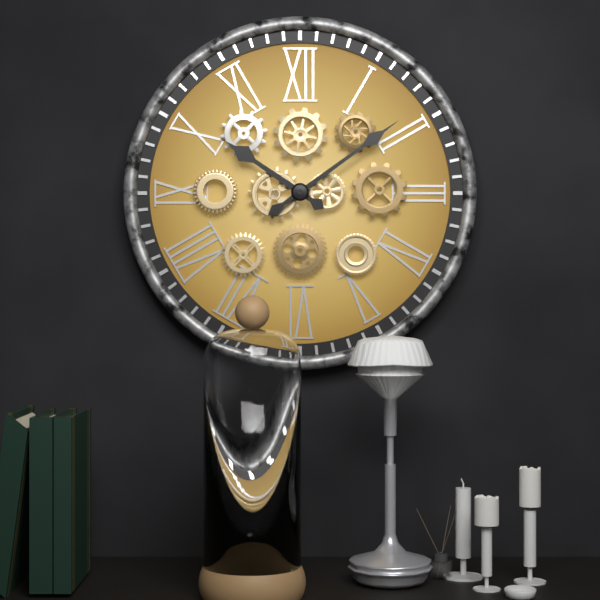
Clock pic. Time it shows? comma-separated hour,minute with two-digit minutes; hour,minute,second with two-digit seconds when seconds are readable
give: 10,09
